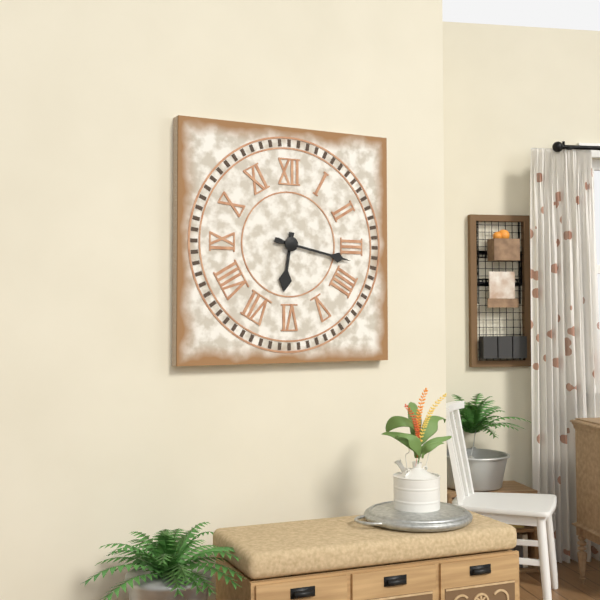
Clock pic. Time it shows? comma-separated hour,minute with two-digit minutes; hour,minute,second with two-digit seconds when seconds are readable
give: 6,17
